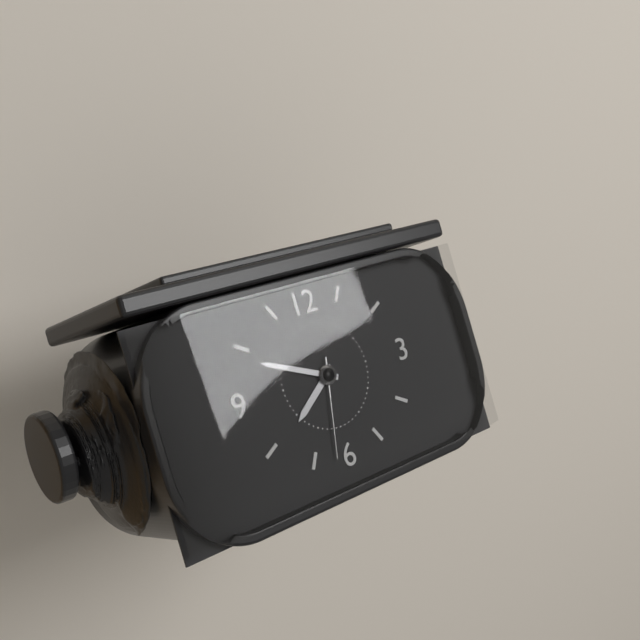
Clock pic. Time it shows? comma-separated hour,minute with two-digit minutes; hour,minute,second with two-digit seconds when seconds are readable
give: 7,49,32
